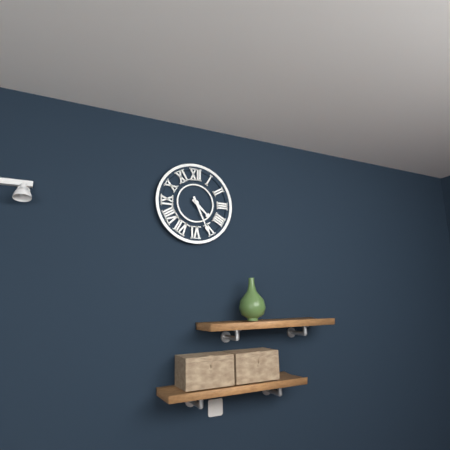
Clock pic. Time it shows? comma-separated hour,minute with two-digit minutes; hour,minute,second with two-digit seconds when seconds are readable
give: 4,26
